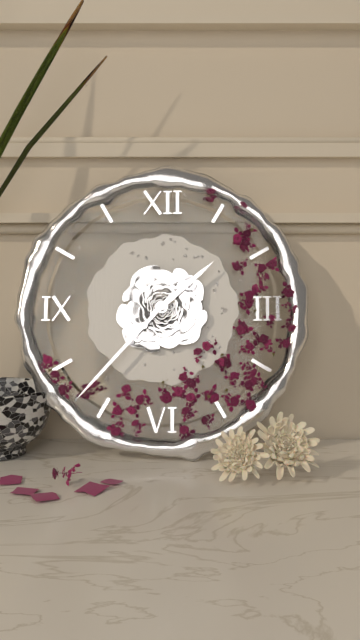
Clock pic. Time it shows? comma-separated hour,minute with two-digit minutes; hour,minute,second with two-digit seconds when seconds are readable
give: 1,37
